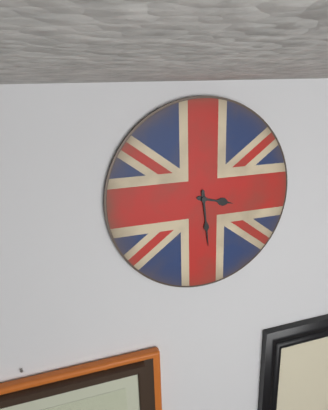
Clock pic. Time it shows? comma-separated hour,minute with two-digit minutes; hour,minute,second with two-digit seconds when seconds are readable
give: 3,29
